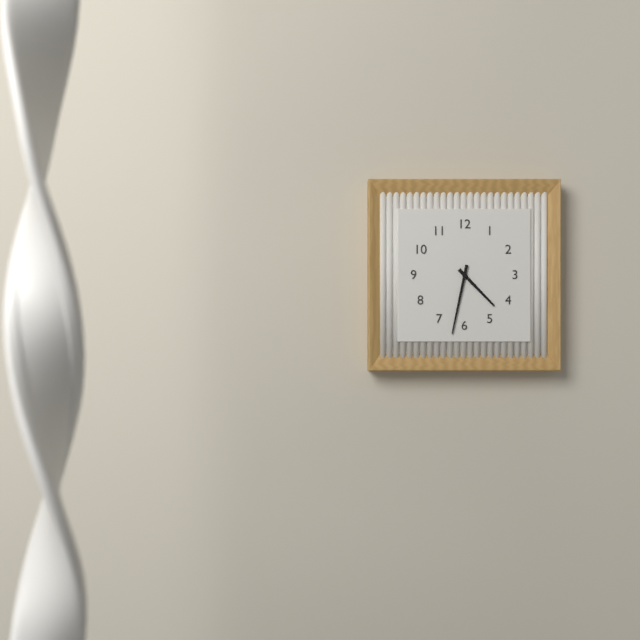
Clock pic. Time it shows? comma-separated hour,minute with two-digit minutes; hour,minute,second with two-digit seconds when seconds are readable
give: 4,32
